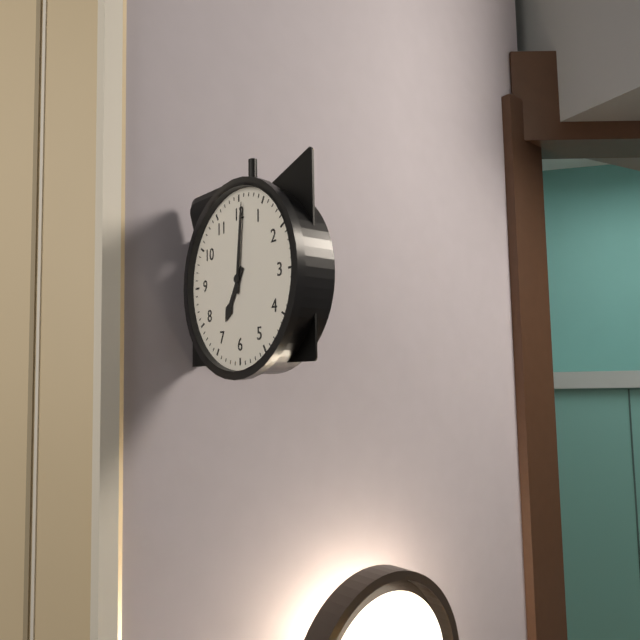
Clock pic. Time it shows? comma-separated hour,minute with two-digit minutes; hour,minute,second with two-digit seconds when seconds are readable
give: 7,01
